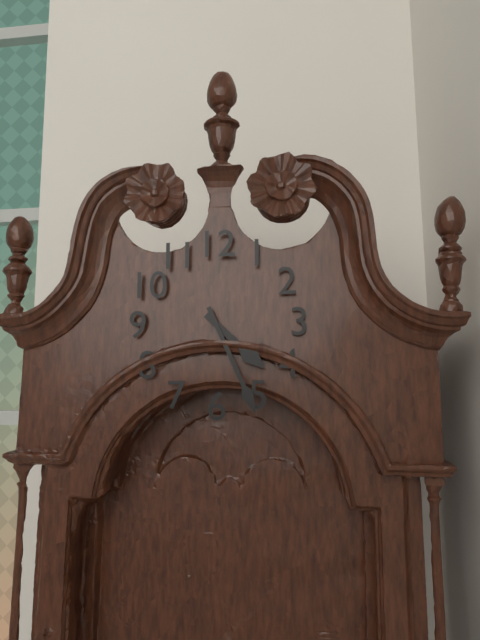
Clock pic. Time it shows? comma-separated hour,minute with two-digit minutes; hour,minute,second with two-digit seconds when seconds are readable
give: 4,26
